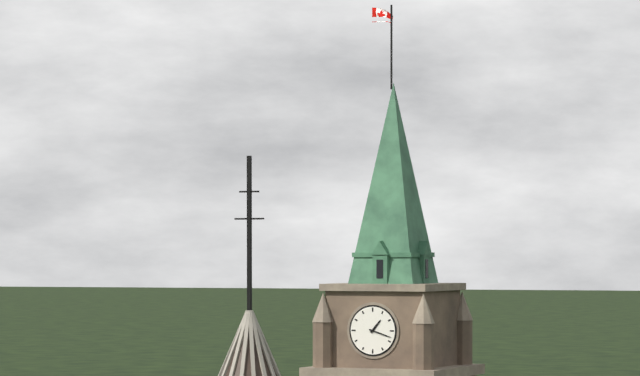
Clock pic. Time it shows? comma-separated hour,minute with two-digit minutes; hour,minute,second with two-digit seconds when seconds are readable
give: 1,18
